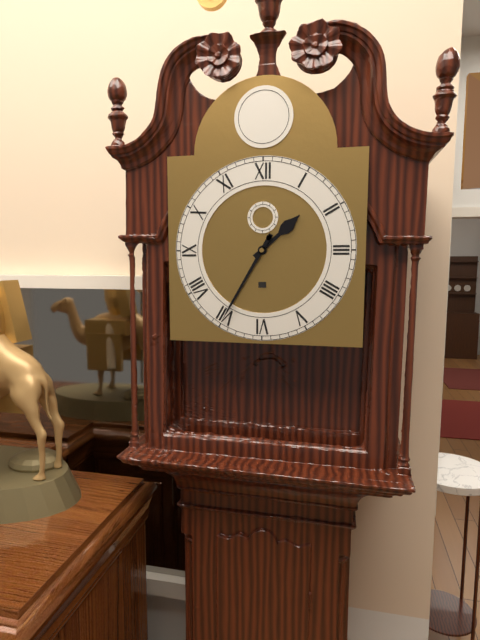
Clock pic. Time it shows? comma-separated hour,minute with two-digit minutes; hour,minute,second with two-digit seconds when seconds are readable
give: 1,35
